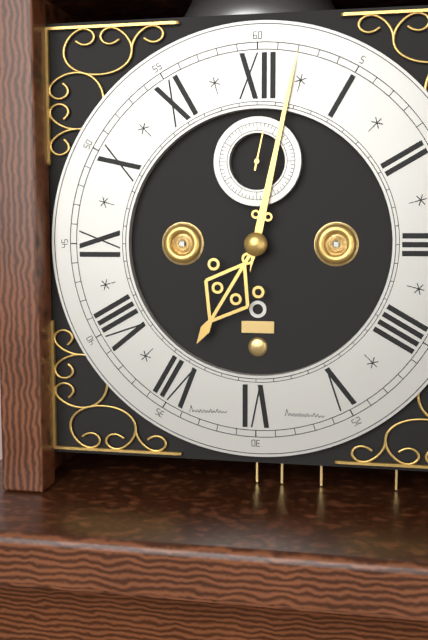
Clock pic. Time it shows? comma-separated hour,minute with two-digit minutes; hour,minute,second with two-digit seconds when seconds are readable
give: 7,02
